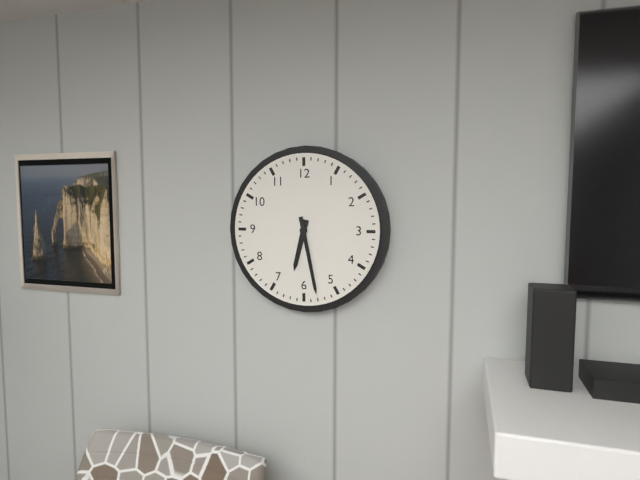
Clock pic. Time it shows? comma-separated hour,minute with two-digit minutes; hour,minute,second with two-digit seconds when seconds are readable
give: 6,28
